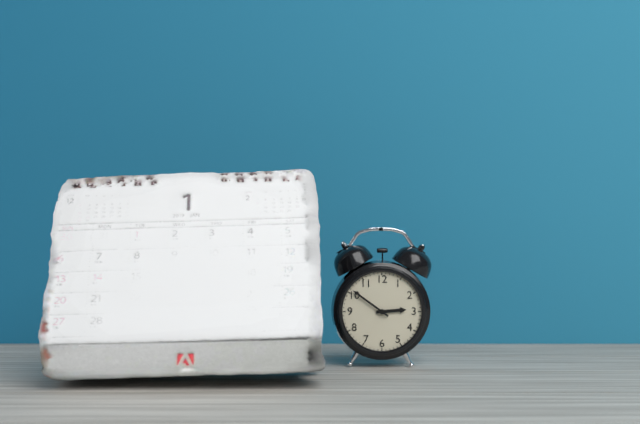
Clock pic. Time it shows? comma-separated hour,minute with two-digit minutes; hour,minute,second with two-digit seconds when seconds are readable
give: 2,51
